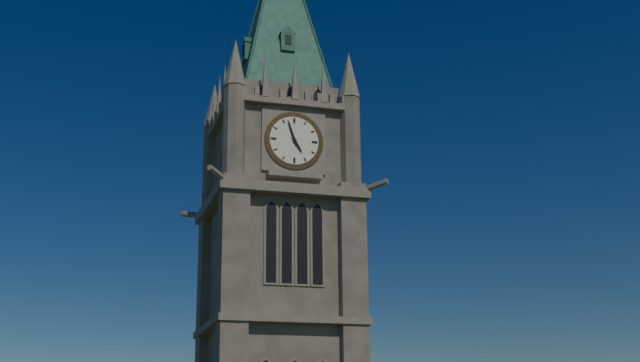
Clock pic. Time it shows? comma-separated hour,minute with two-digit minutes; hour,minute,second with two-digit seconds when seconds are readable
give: 4,57
